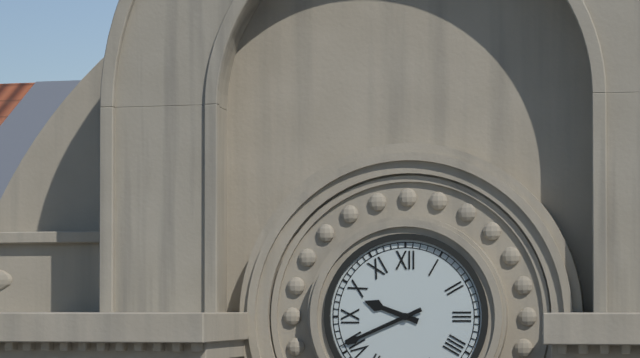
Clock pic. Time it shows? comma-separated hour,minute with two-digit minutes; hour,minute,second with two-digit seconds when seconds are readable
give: 9,41
